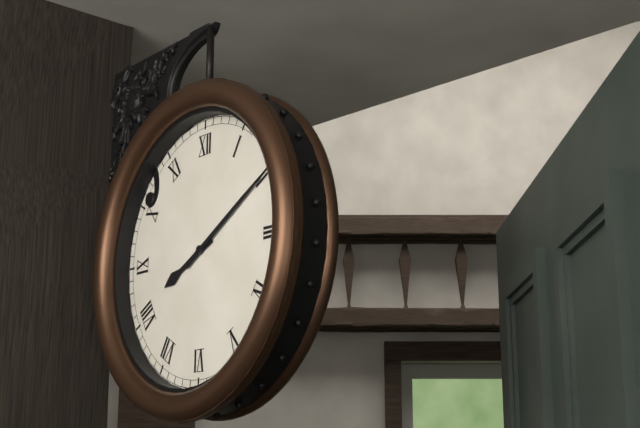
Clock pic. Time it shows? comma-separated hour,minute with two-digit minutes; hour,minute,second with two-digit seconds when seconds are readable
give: 8,10
